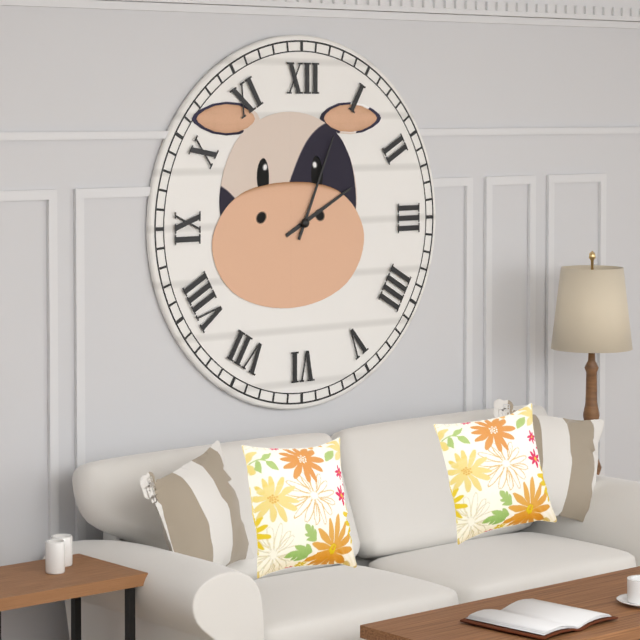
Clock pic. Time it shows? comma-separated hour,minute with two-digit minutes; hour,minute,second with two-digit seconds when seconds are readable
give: 2,04
